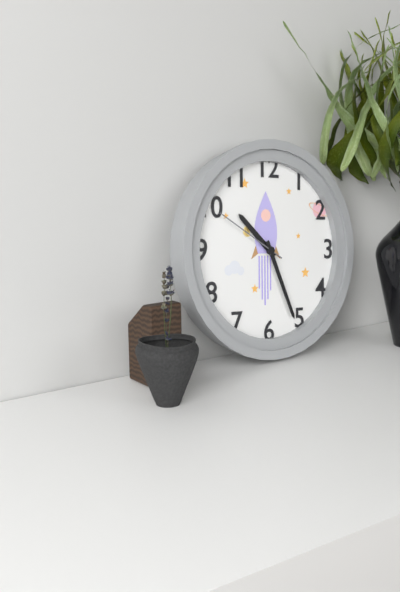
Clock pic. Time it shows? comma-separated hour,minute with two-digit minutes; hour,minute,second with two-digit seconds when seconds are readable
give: 10,26,50
